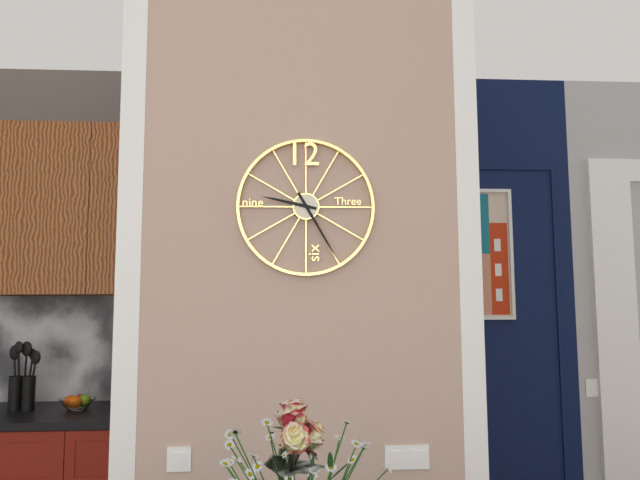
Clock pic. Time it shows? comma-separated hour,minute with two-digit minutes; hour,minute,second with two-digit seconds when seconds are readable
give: 9,25
